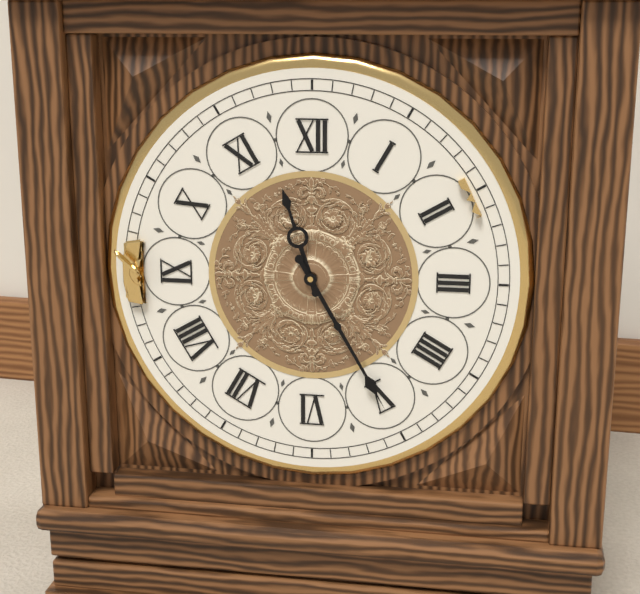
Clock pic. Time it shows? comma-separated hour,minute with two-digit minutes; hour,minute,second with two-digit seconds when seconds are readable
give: 11,25
